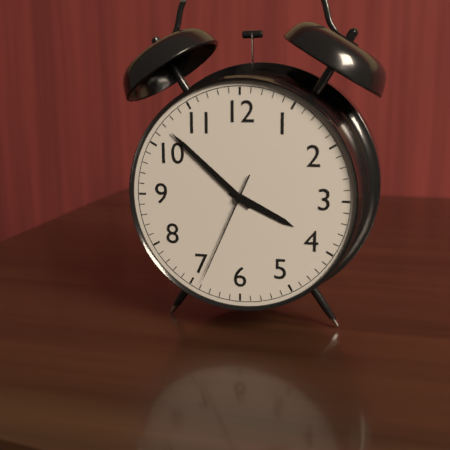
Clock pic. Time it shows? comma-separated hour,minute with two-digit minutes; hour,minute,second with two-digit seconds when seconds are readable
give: 3,52,34
